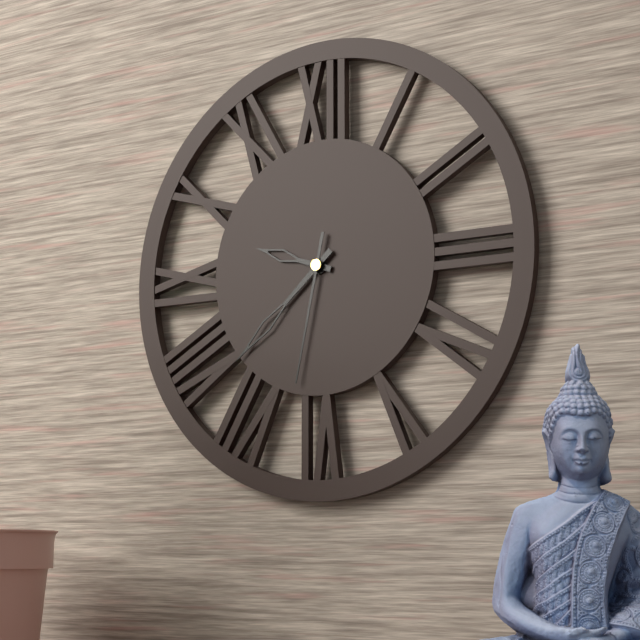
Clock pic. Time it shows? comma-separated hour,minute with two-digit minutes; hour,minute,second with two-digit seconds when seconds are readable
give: 9,38,32
